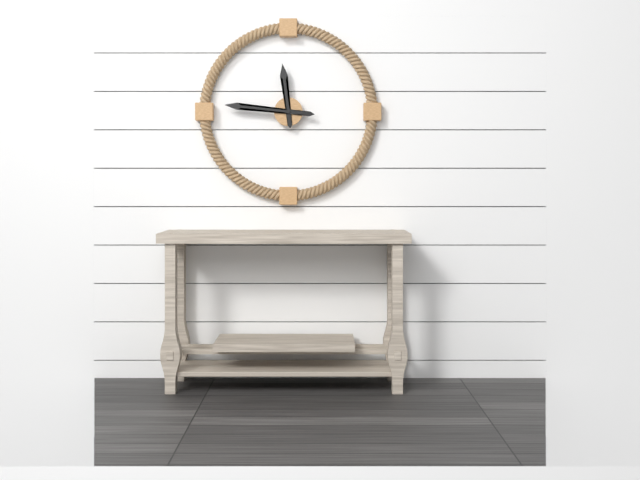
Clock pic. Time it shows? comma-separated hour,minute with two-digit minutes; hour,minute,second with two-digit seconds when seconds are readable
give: 11,46
